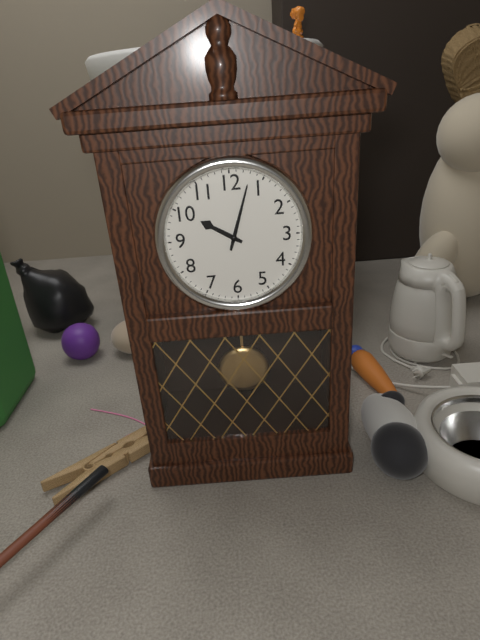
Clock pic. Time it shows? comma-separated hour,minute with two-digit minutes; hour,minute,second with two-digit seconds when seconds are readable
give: 10,03
